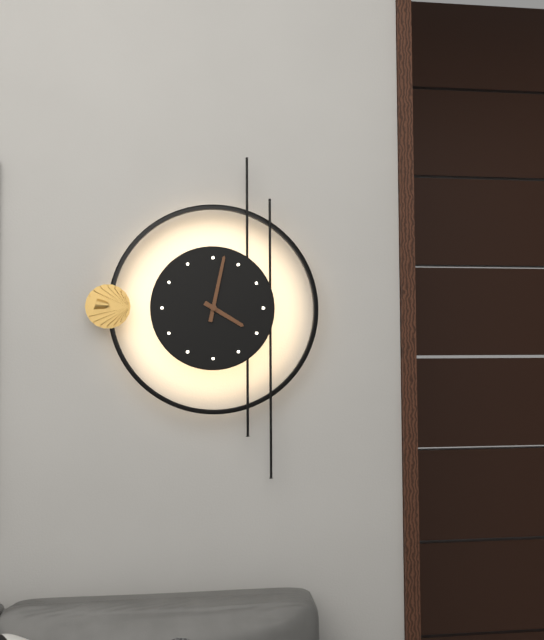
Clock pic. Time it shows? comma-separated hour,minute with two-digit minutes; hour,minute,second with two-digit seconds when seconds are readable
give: 4,02
